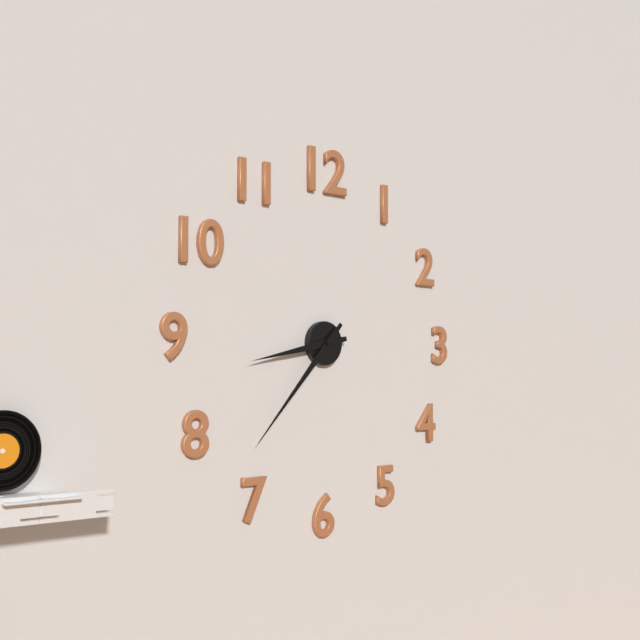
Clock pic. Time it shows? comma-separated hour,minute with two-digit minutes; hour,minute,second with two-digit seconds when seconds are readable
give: 8,37
